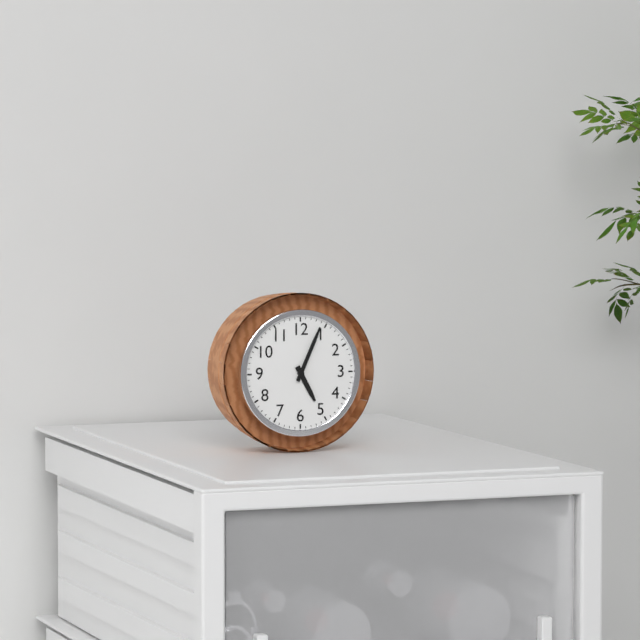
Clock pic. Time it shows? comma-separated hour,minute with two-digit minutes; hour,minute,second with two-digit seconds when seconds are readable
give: 5,04
